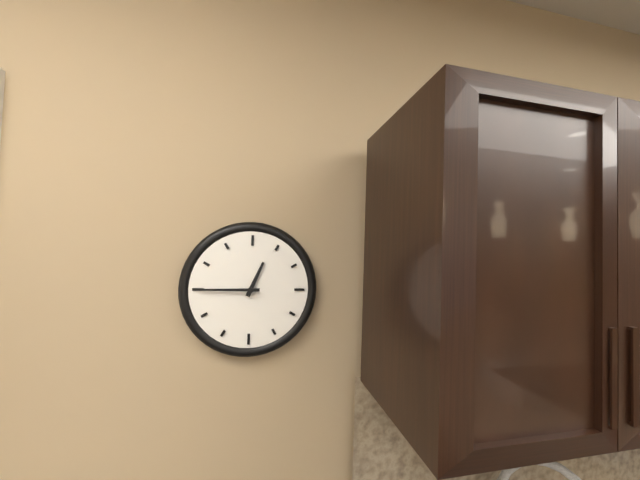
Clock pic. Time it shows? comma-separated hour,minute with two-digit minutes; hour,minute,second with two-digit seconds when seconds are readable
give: 12,45
